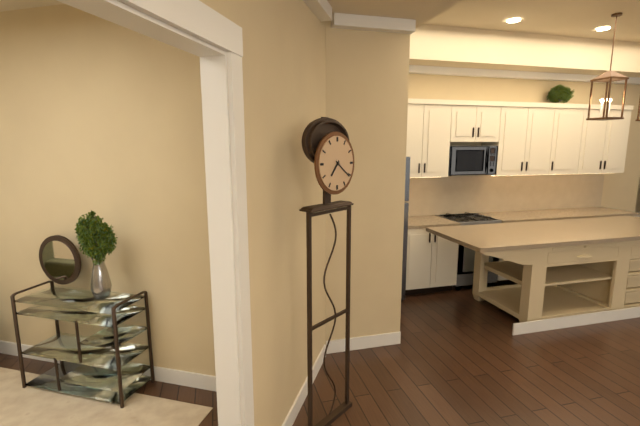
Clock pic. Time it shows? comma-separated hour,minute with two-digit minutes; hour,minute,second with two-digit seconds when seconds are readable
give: 7,21
